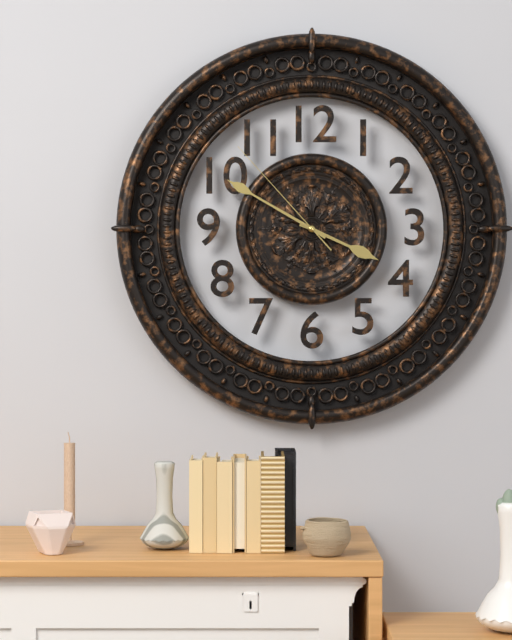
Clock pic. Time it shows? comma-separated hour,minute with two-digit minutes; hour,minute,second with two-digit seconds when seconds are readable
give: 3,50,53
